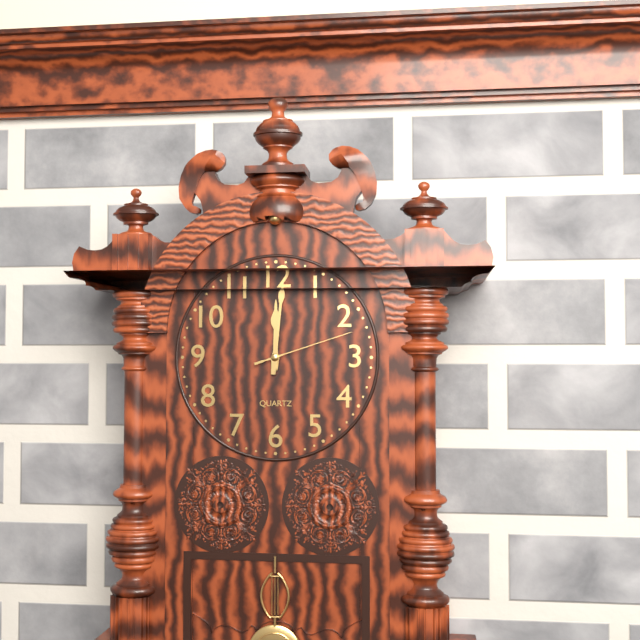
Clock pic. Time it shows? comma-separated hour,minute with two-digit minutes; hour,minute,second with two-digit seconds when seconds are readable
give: 12,01,12
